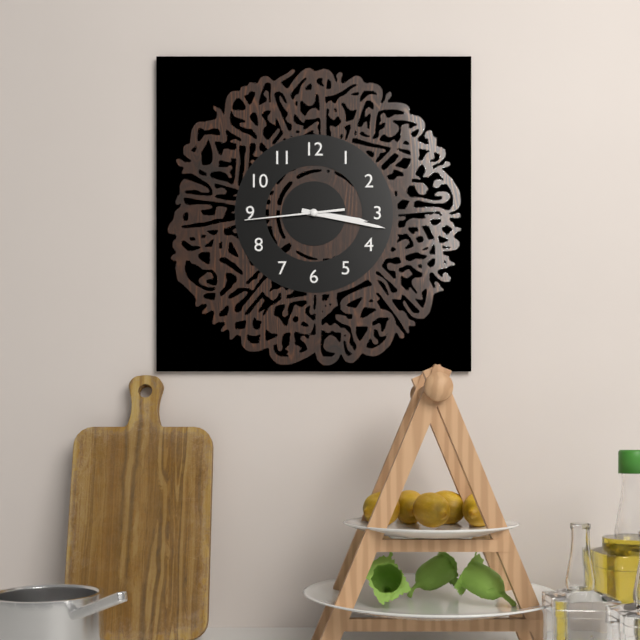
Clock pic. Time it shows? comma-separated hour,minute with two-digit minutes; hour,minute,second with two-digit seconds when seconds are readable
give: 3,17,44
